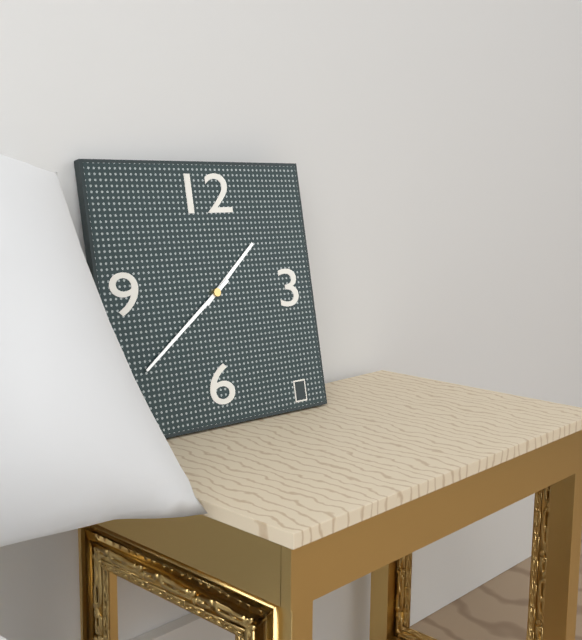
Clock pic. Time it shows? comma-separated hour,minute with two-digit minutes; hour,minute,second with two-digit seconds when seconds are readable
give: 1,39
